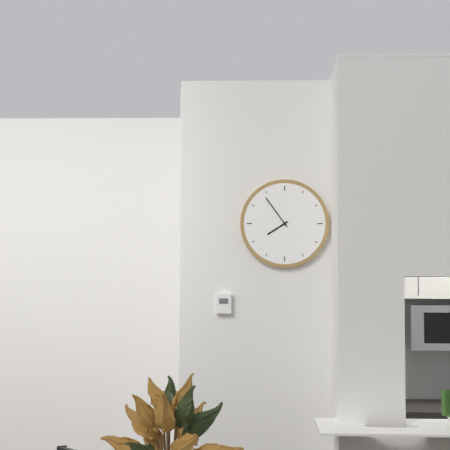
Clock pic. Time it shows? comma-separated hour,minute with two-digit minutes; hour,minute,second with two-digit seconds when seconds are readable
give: 7,54
